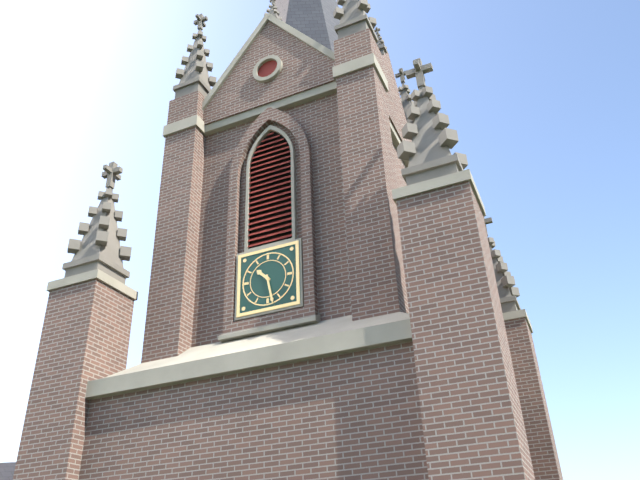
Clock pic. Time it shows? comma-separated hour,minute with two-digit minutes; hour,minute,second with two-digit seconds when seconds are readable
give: 10,28
